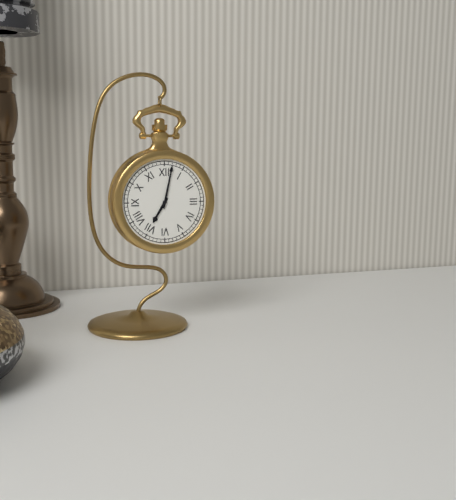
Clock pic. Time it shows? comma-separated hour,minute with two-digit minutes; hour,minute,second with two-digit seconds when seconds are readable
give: 7,02
